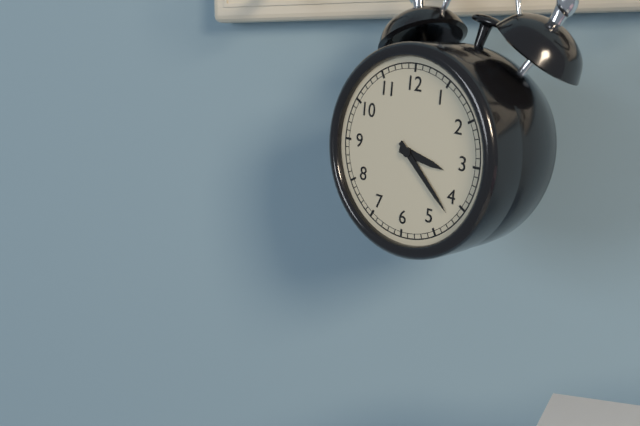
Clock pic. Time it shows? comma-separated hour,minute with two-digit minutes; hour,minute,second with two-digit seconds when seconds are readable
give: 3,22
